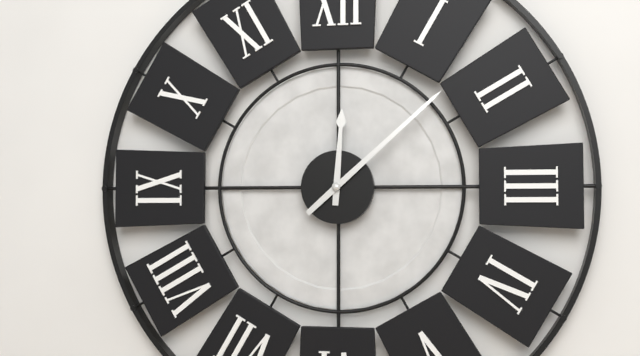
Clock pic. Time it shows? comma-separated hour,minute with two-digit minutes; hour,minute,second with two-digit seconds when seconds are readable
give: 12,08
